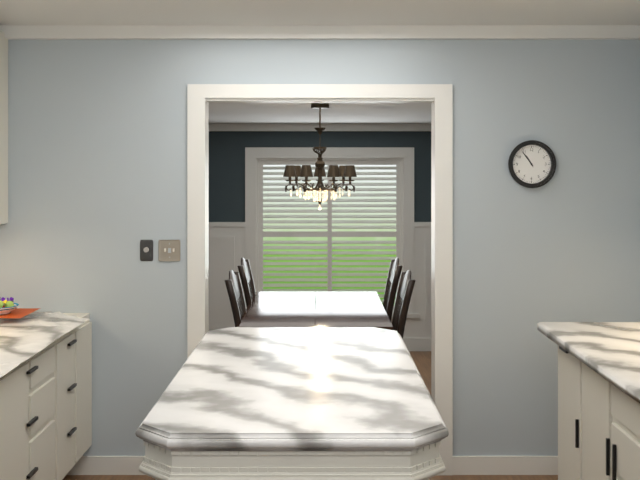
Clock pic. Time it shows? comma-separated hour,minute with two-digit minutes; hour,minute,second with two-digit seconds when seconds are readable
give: 10,54
